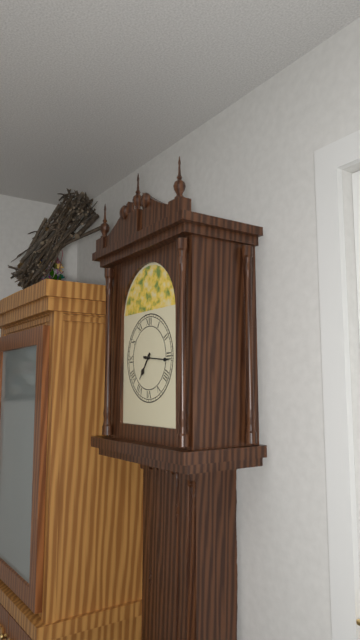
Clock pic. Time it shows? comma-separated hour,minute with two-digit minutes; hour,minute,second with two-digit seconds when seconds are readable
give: 7,16
